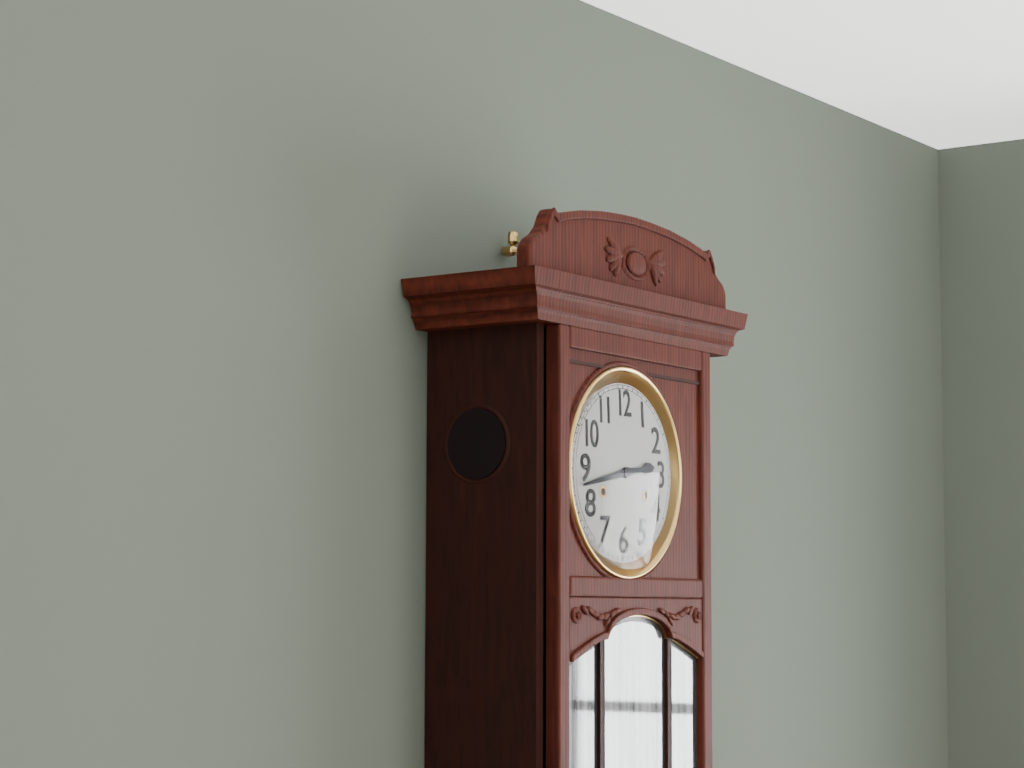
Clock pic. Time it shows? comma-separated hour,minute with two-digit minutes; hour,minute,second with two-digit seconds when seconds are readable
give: 2,43
